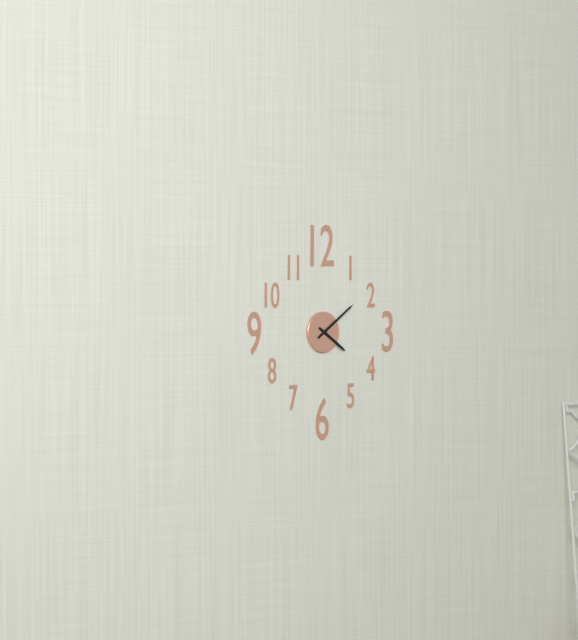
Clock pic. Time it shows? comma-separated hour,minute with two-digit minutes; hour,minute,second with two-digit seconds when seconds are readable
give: 4,09
